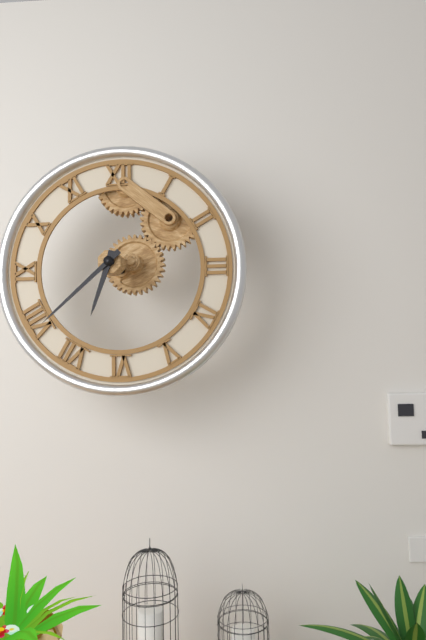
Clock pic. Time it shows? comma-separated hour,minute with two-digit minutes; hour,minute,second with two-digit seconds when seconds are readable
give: 6,38
